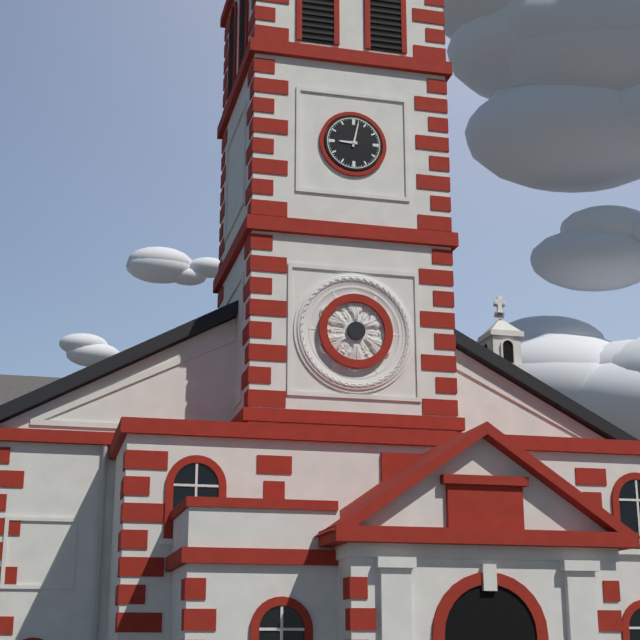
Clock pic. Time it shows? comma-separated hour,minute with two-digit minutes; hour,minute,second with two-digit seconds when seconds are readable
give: 9,02
